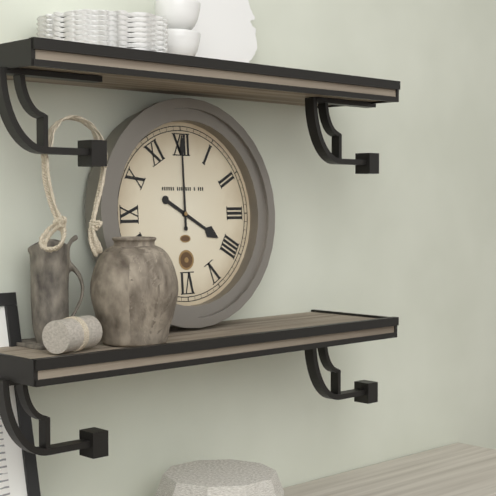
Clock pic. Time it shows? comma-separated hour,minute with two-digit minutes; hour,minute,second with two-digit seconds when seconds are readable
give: 4,00
